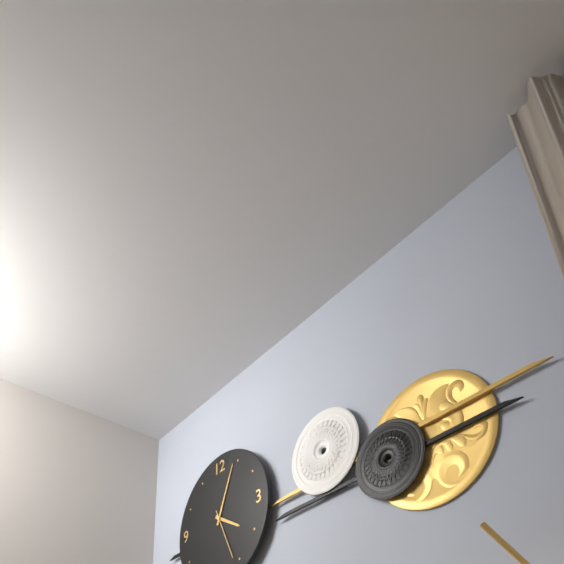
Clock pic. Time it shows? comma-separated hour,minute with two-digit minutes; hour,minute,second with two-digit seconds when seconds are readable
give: 4,04,26
